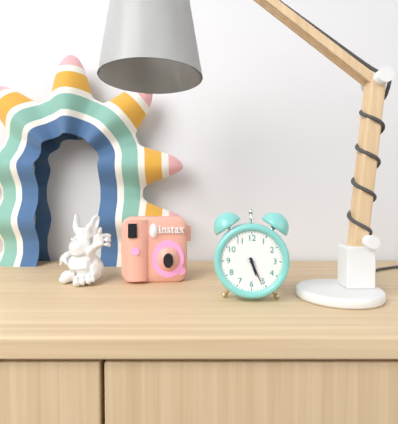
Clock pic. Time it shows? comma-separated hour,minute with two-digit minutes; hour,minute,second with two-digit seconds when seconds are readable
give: 5,26
